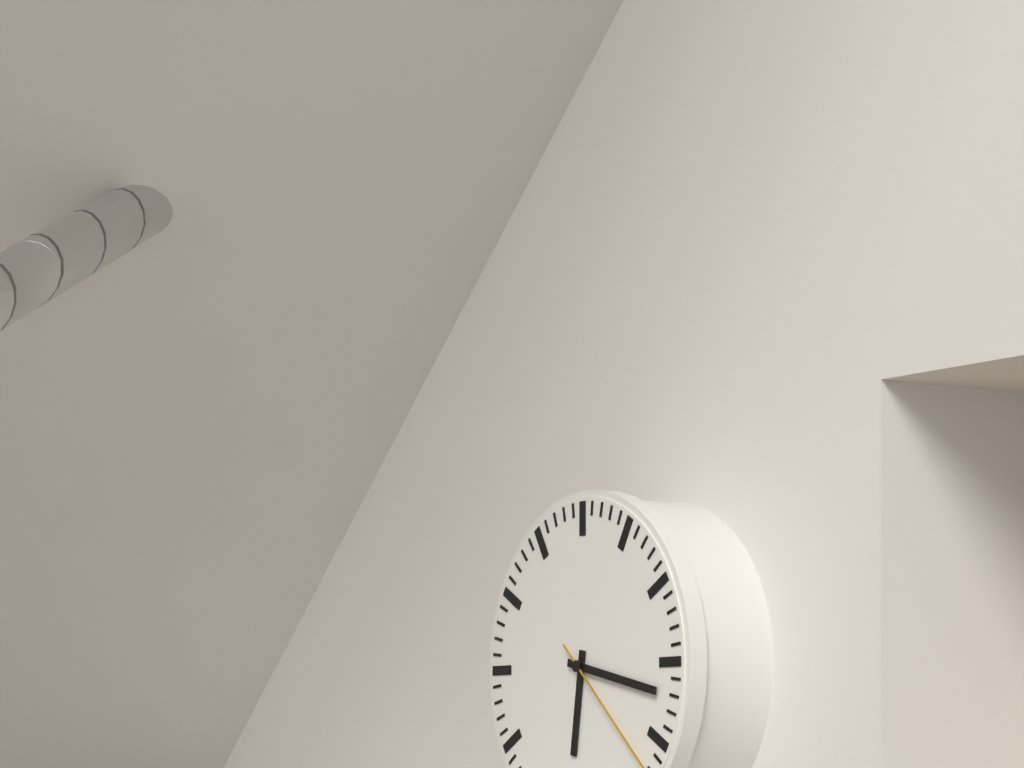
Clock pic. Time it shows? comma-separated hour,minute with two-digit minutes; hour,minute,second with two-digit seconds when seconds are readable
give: 6,17
